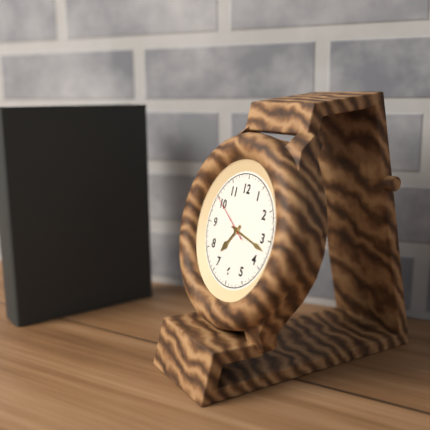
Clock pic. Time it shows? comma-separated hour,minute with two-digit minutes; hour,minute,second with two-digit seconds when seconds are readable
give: 7,17
